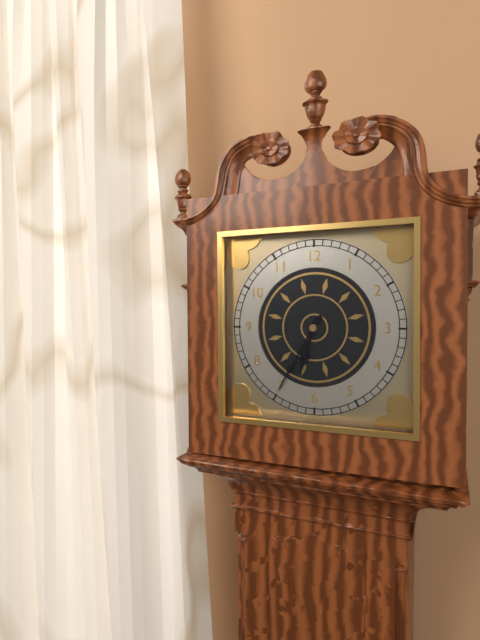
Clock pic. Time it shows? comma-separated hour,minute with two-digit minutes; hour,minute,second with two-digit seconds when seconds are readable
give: 6,35
